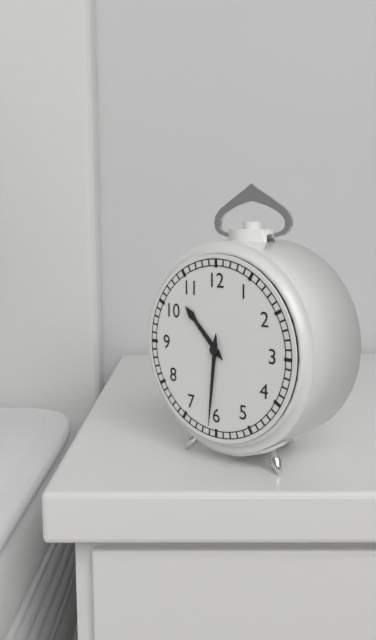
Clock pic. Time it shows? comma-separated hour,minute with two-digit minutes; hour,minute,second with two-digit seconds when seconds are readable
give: 10,31
